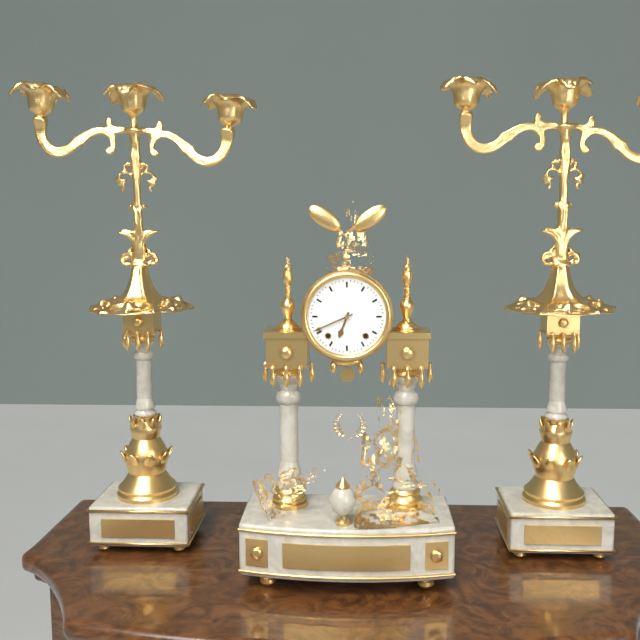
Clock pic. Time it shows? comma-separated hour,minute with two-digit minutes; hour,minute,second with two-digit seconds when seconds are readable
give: 6,41
